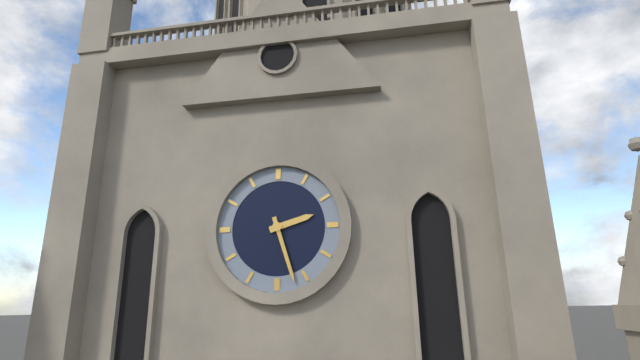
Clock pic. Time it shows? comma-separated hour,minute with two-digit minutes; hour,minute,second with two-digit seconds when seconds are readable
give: 2,27
